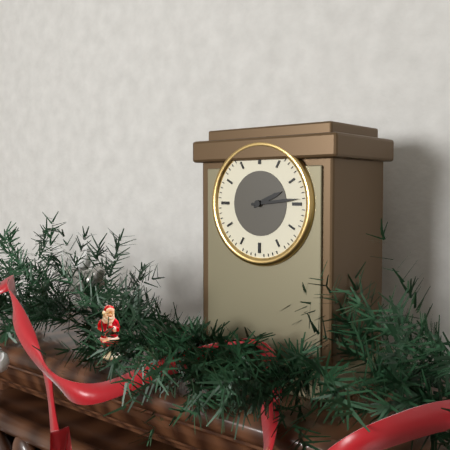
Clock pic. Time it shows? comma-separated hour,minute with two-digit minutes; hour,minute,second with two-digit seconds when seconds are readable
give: 2,14
